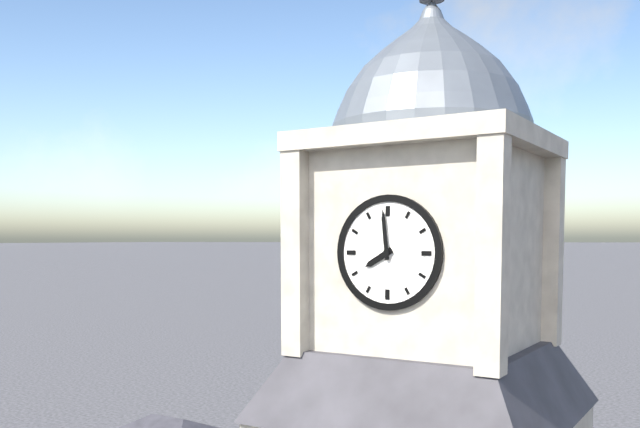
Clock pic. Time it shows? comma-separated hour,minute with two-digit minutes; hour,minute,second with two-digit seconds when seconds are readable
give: 7,59
